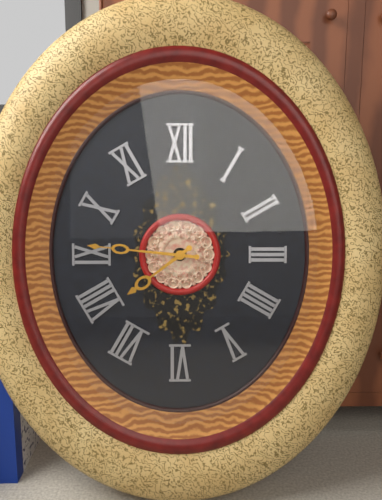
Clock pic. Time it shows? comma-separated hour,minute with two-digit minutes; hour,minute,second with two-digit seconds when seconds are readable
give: 7,46
